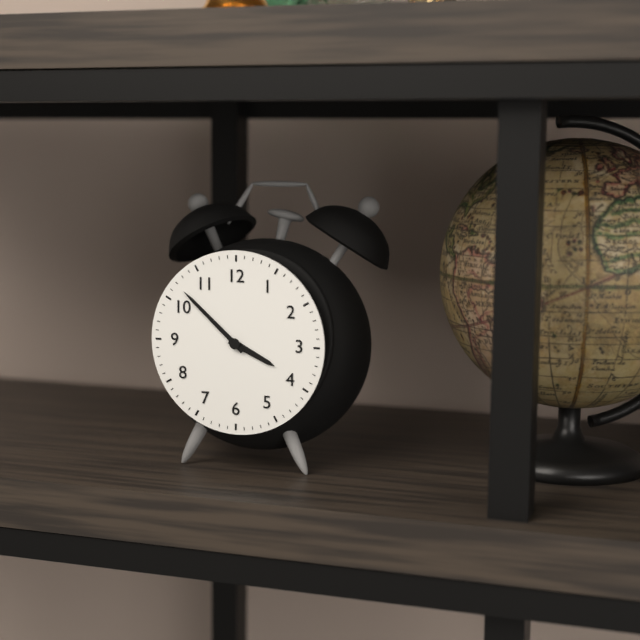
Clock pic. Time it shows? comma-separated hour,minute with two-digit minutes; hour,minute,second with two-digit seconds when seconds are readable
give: 3,52
